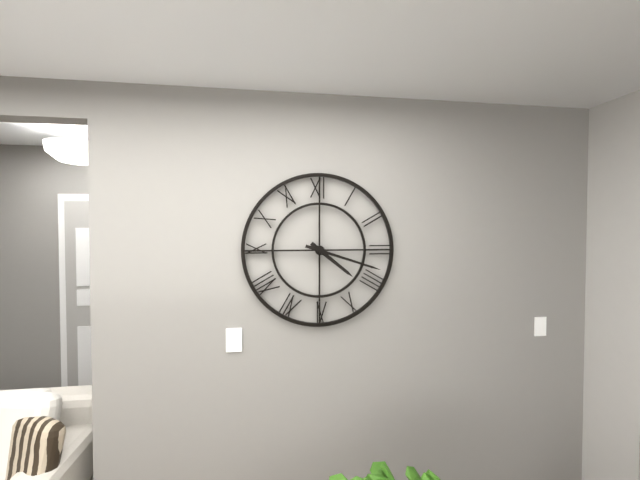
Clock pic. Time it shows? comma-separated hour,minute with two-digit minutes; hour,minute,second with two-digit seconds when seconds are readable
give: 4,18
